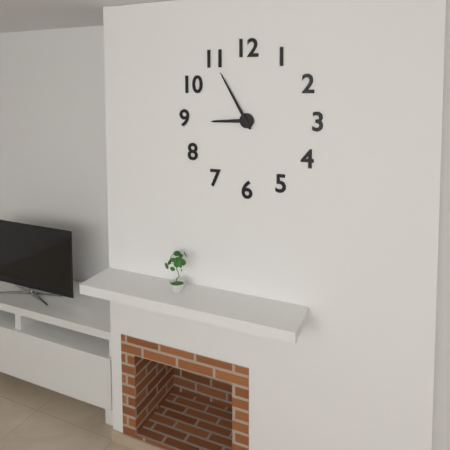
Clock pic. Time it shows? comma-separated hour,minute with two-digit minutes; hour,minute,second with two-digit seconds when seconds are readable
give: 8,55
